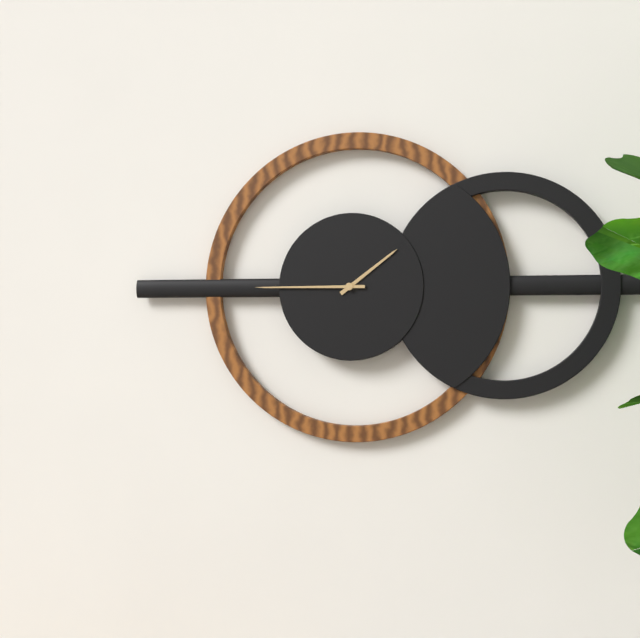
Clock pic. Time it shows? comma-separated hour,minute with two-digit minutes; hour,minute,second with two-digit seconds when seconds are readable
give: 1,45
